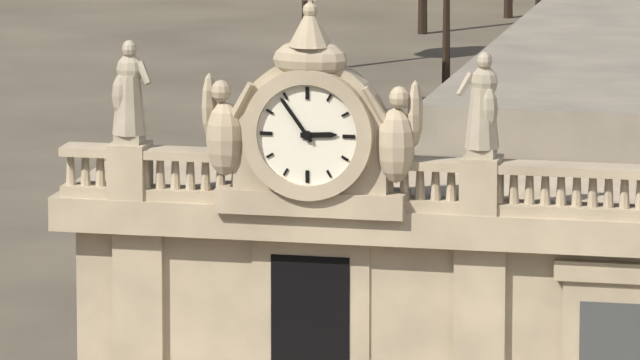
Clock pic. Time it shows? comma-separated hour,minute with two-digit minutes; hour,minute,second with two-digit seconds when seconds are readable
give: 2,54
